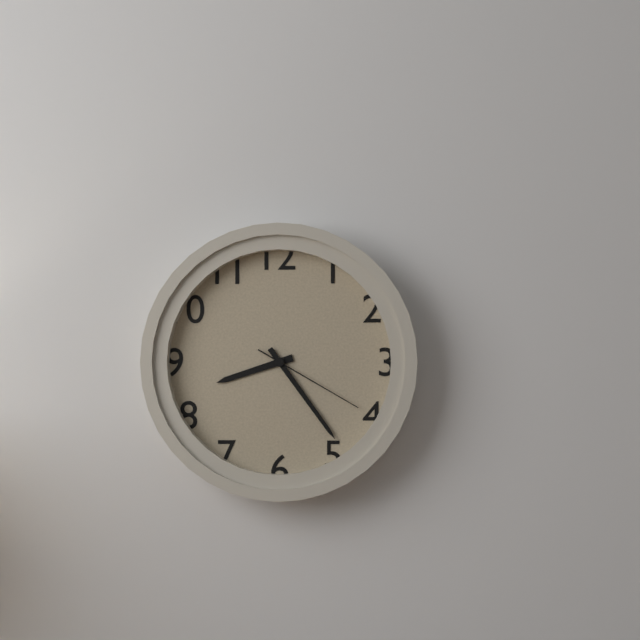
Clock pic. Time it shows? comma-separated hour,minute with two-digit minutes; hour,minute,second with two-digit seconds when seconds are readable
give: 8,24,20
